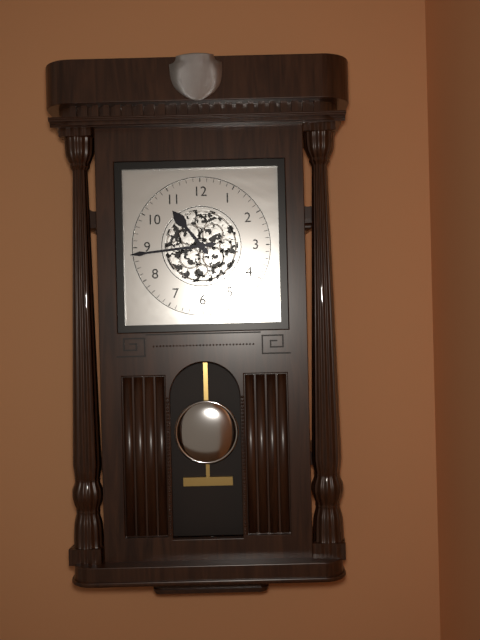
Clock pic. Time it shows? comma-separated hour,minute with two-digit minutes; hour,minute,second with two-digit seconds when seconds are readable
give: 10,44
